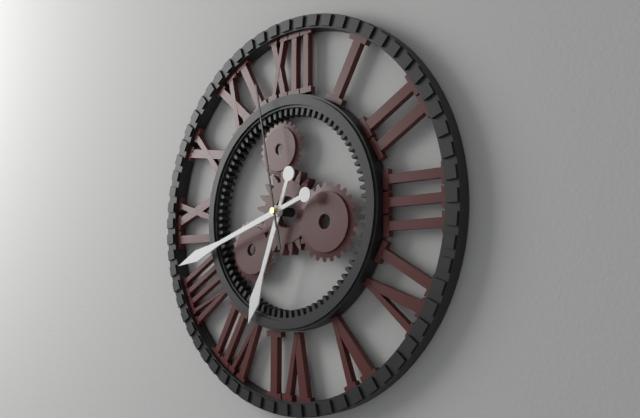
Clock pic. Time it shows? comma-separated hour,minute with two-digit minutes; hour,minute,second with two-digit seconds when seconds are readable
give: 6,42,58
